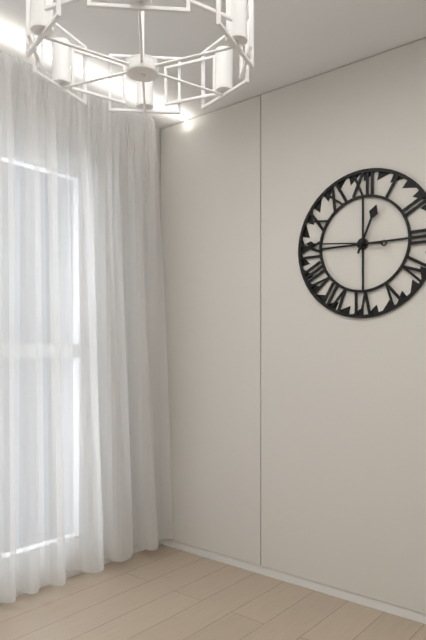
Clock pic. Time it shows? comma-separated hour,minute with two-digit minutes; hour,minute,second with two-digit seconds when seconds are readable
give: 12,46
